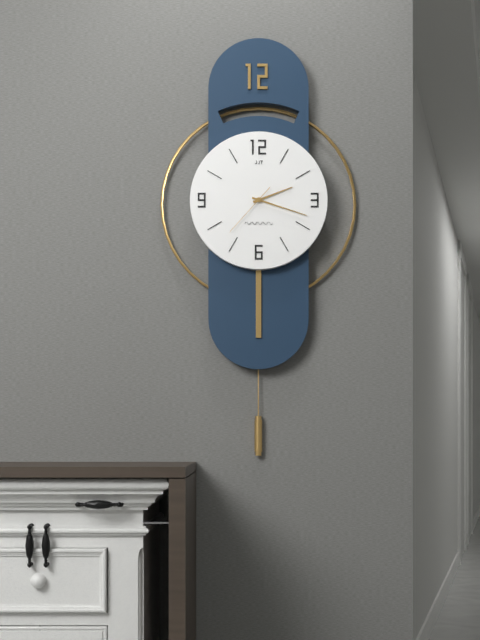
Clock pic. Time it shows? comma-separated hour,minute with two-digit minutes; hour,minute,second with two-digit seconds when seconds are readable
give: 2,18
